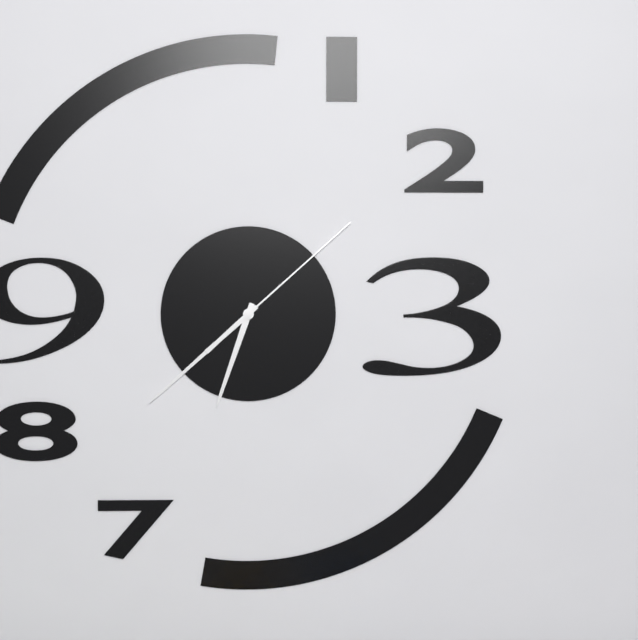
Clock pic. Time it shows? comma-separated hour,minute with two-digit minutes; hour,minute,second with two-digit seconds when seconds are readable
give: 6,38,08
